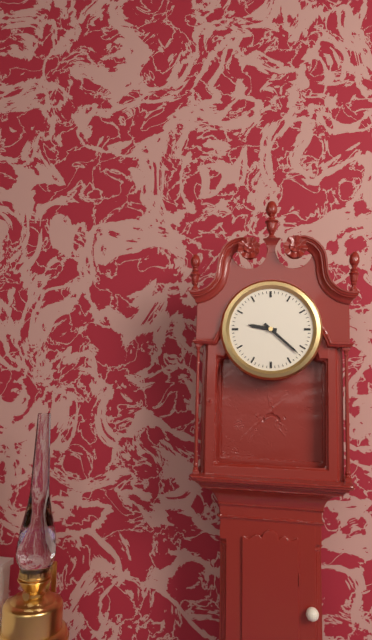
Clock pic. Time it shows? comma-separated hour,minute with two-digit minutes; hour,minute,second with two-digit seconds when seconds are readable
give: 9,22
